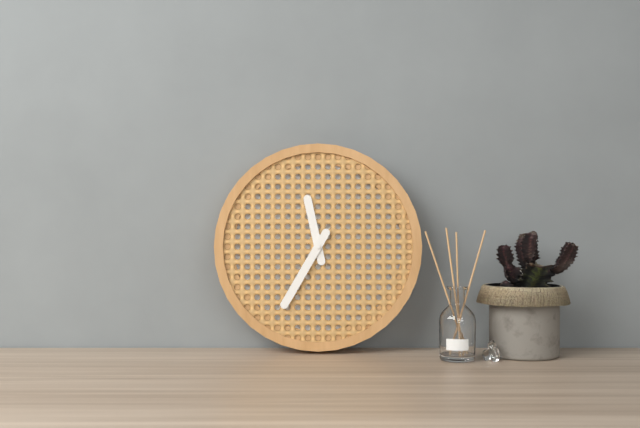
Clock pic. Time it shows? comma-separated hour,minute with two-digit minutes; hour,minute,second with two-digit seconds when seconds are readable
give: 11,35
